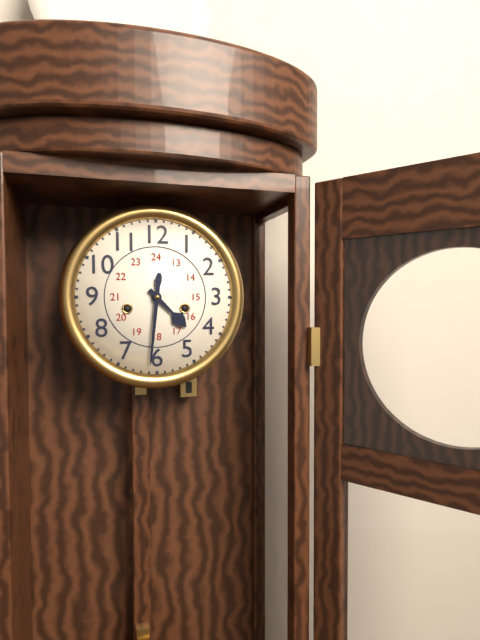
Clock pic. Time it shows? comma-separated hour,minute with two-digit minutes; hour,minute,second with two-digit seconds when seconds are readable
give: 4,31
